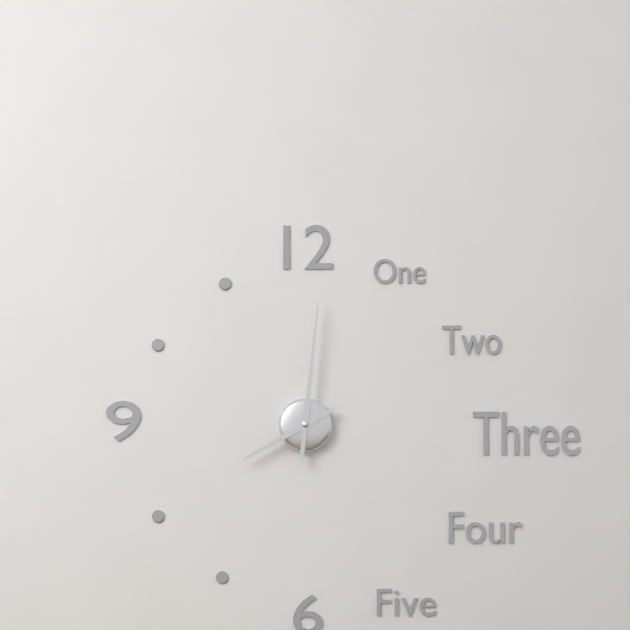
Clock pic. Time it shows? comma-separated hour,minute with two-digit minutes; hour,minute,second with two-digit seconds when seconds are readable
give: 8,01
